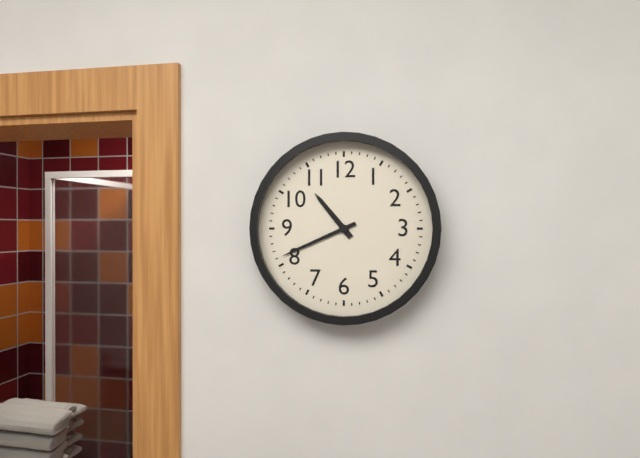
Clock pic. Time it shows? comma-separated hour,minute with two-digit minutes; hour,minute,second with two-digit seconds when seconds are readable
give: 10,41
